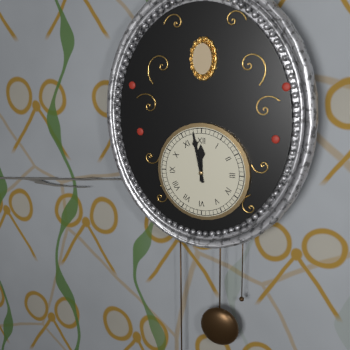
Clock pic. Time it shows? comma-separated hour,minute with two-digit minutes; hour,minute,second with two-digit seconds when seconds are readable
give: 11,58
